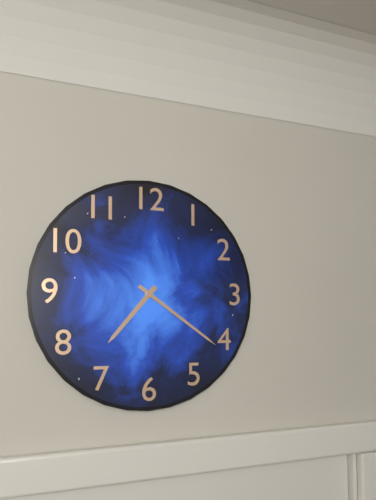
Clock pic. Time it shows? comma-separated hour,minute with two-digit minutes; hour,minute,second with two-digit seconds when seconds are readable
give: 7,21
